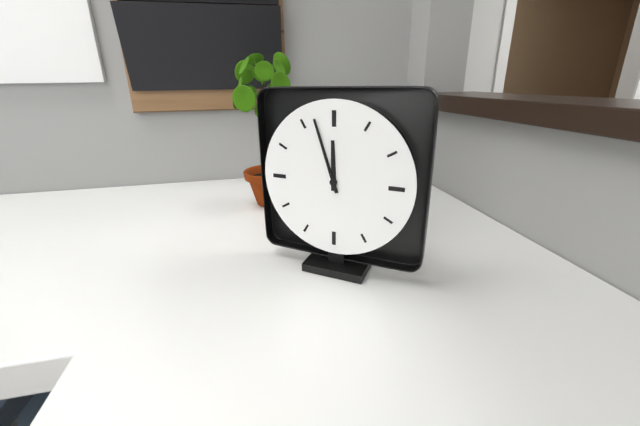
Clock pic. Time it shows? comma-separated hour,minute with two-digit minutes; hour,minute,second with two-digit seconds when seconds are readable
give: 11,57
